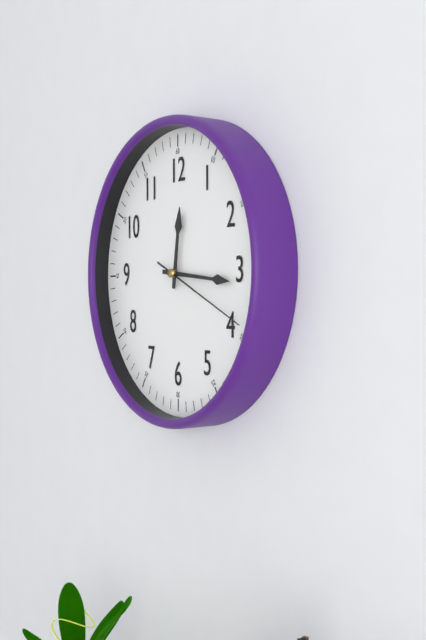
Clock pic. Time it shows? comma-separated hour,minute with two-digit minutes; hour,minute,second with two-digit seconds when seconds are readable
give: 12,16,19
